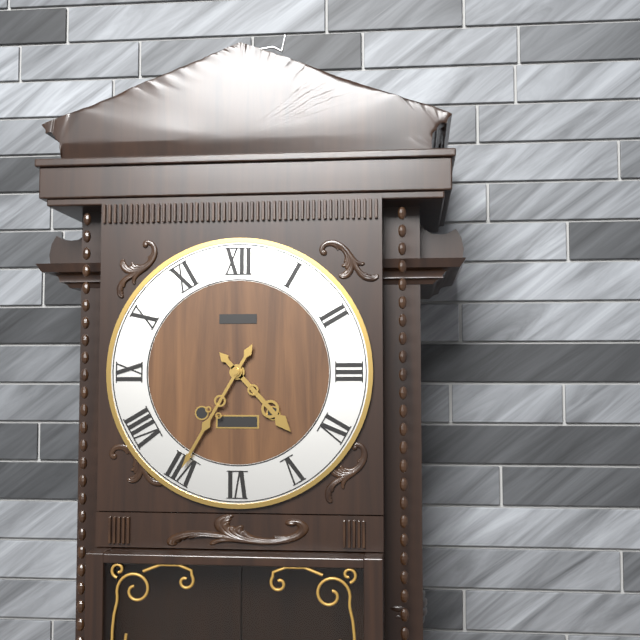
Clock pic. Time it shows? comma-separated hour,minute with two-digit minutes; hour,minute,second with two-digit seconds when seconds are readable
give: 4,35
